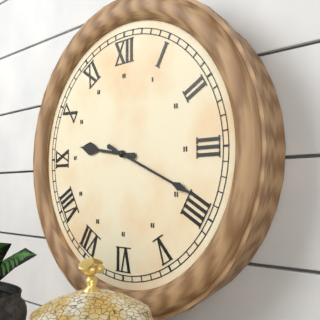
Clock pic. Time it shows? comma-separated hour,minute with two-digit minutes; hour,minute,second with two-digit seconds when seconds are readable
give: 9,19
